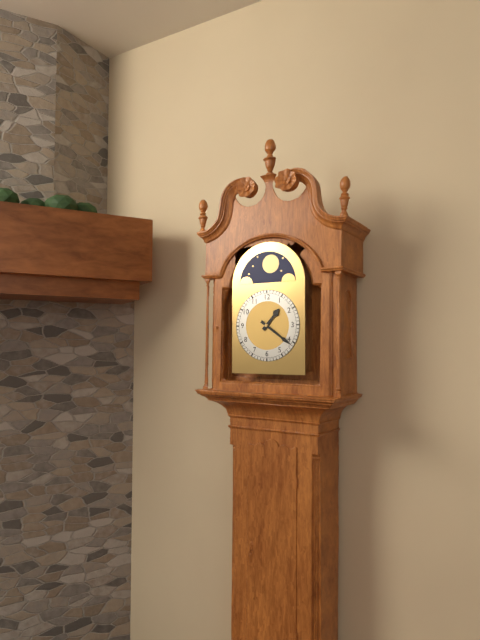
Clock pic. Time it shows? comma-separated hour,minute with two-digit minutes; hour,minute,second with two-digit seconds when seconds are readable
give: 1,21
